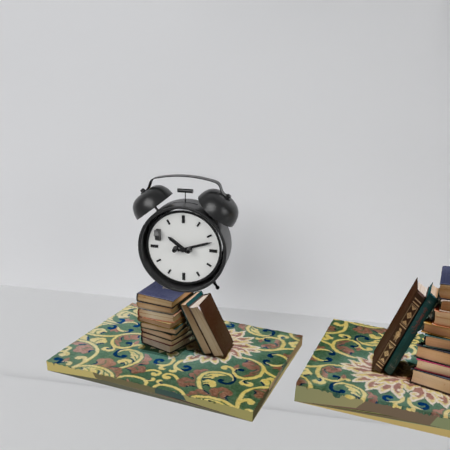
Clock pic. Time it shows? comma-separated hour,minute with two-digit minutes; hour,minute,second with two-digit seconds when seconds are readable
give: 10,12
